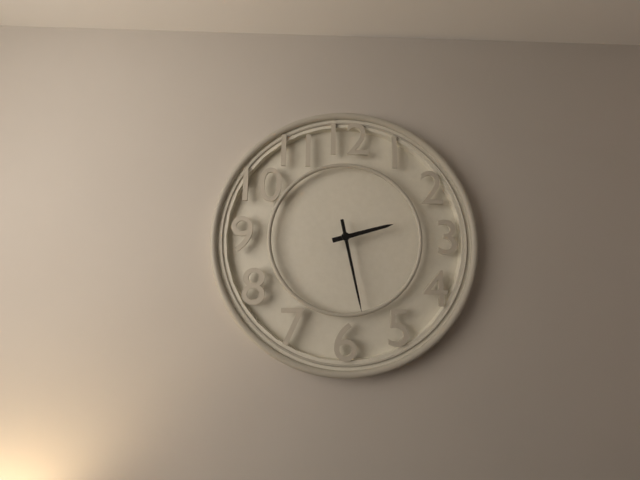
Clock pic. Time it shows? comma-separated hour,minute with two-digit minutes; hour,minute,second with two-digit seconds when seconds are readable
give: 2,28
